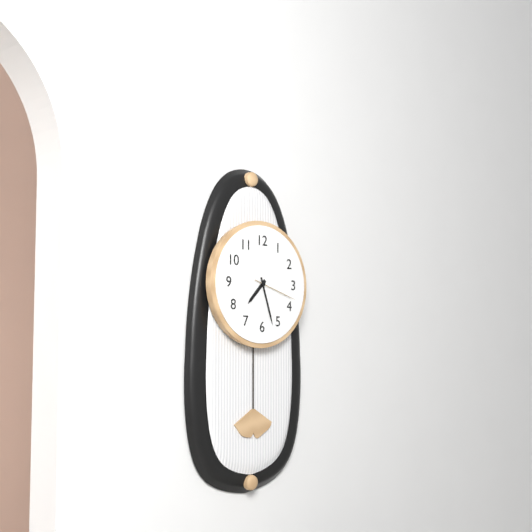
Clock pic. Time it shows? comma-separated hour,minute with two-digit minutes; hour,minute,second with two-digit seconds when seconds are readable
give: 7,27
